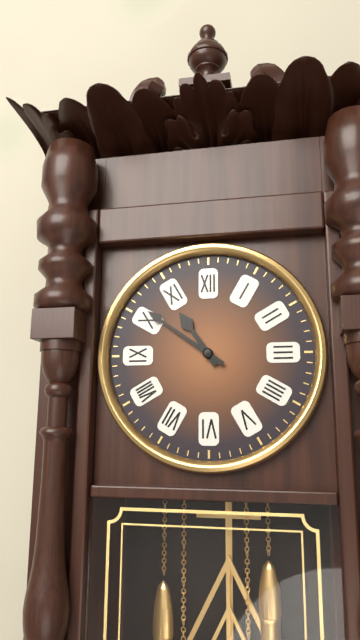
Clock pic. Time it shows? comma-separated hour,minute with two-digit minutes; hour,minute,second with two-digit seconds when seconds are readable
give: 10,51
